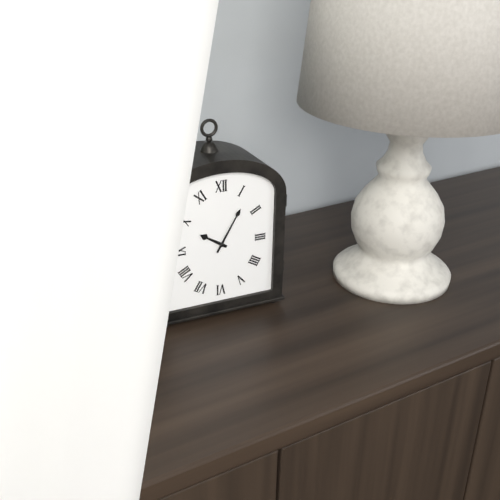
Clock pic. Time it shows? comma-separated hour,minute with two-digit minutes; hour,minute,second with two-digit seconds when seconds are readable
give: 10,05
